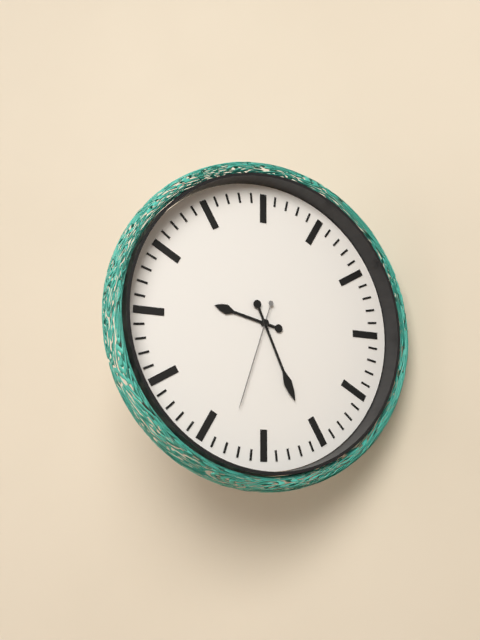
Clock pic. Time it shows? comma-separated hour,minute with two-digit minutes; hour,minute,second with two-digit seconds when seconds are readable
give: 9,26,33
